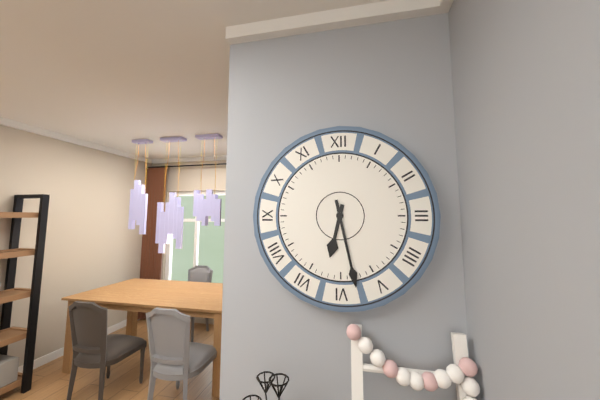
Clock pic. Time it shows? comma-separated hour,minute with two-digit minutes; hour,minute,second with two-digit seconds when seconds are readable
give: 6,28
